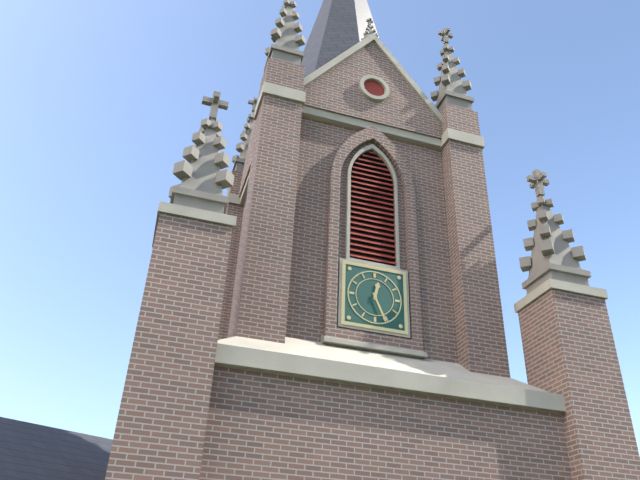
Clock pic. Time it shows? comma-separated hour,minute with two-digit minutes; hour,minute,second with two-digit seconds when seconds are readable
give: 12,26
